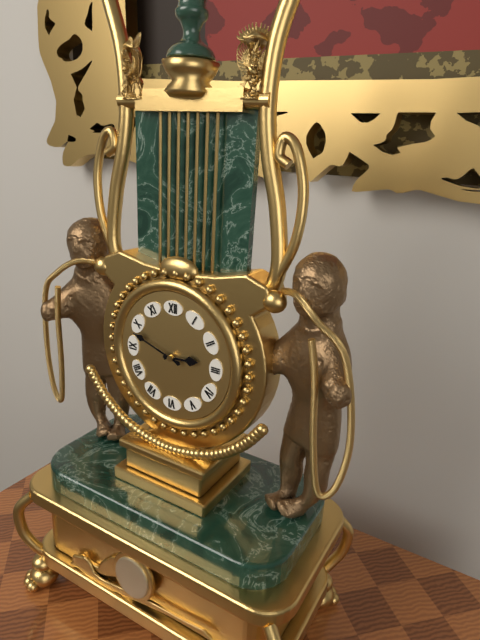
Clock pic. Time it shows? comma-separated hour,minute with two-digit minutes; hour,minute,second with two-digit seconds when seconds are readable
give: 2,48
